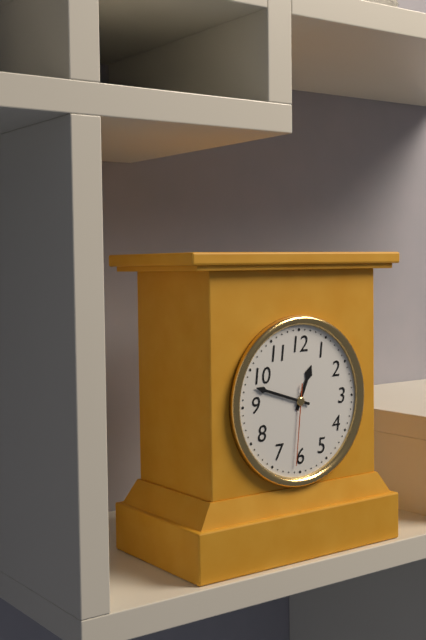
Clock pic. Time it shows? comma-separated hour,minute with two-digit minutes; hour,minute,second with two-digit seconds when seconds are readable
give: 12,48,31
